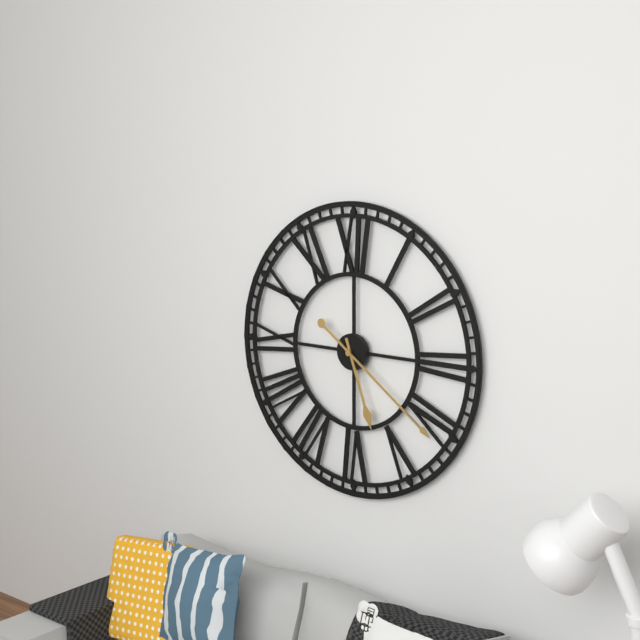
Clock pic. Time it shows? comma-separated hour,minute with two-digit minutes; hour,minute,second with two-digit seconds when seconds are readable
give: 5,21
